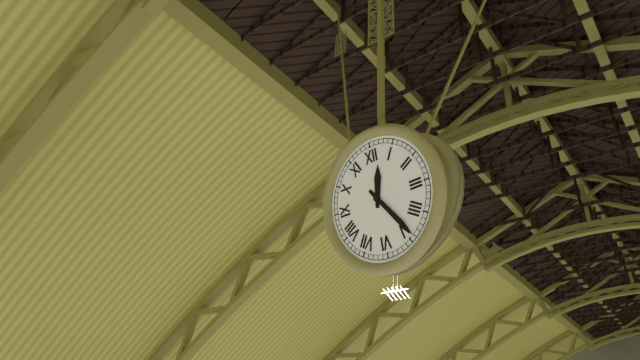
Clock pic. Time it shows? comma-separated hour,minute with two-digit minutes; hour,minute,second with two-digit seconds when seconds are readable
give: 12,24
